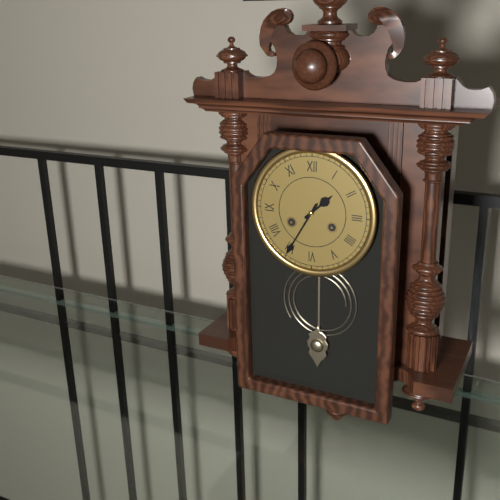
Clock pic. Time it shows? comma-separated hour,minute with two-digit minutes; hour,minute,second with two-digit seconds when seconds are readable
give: 1,35
